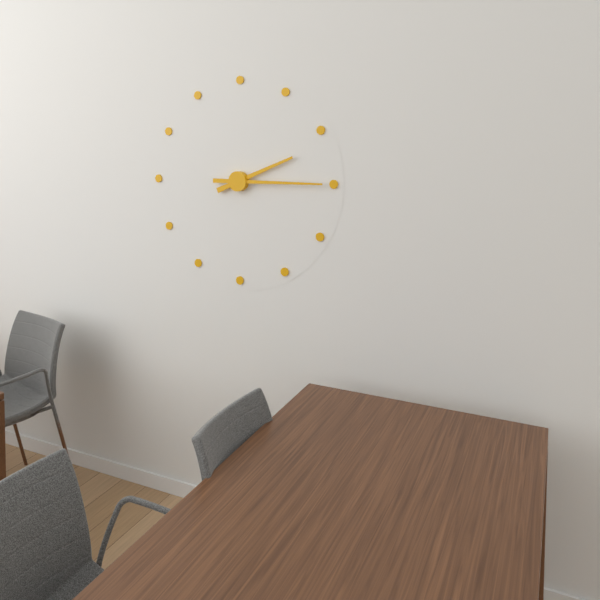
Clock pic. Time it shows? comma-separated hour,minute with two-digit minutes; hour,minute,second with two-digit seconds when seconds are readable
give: 2,15
